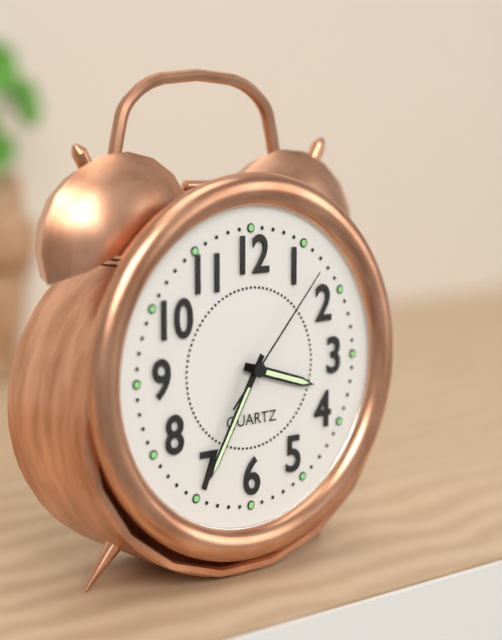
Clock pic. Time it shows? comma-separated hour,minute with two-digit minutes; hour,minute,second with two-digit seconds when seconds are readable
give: 3,35,07
